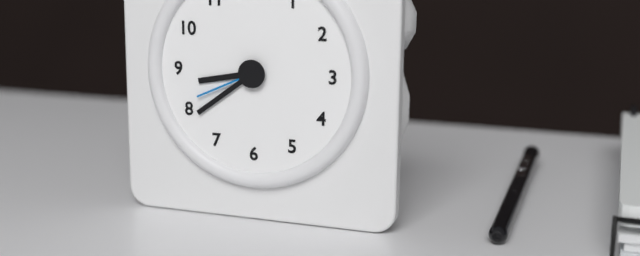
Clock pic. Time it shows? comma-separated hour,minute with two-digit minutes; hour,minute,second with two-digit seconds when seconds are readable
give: 8,39,41
